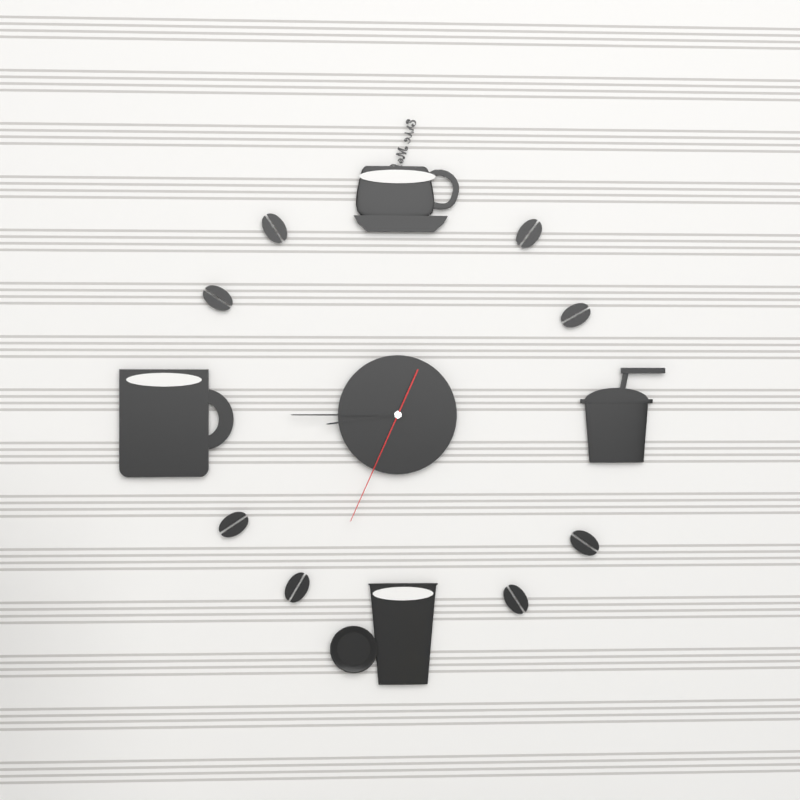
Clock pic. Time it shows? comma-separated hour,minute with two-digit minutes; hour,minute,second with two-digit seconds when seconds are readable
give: 8,45,34
